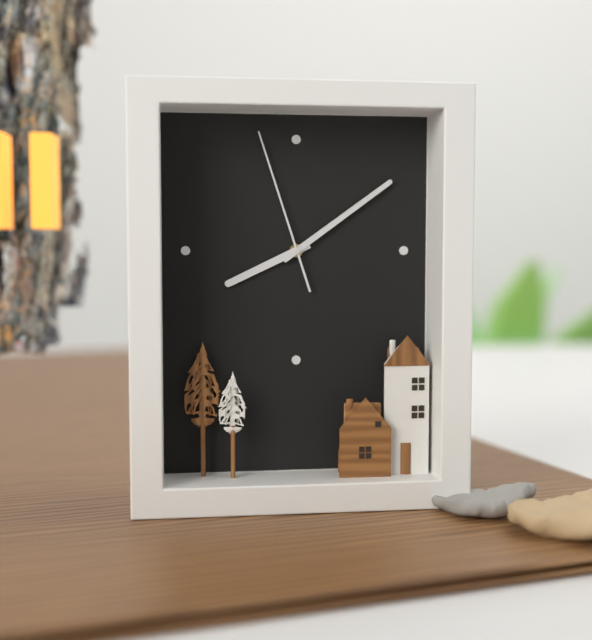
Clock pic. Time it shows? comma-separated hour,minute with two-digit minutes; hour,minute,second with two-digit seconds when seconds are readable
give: 8,09,57
